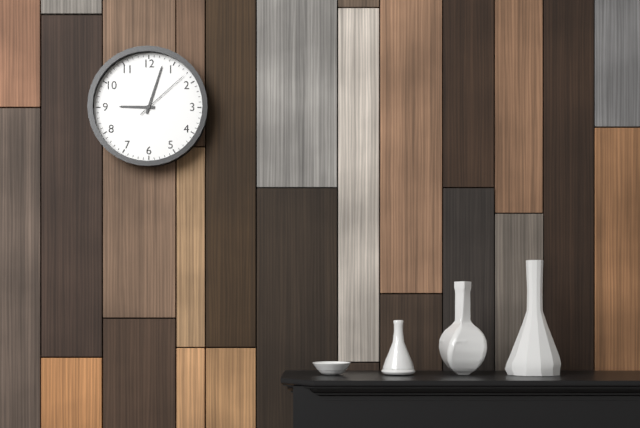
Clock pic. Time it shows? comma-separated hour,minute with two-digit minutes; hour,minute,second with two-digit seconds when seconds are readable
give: 9,03,08
